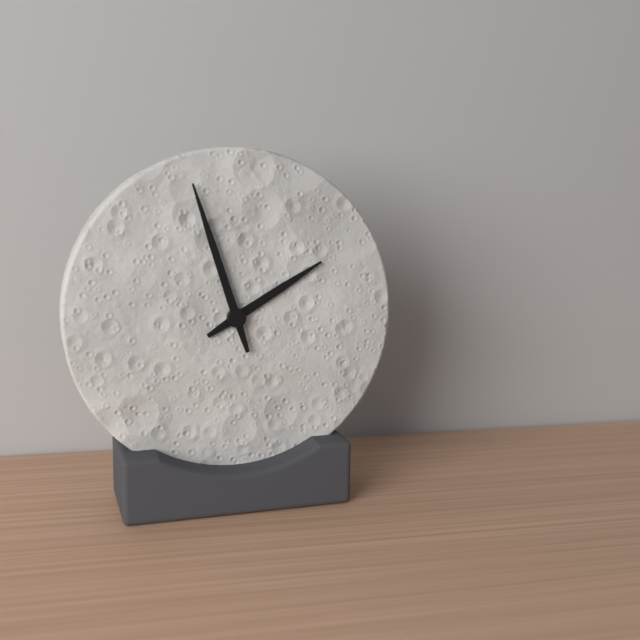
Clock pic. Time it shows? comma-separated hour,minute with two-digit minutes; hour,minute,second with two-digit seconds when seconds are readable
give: 1,57
